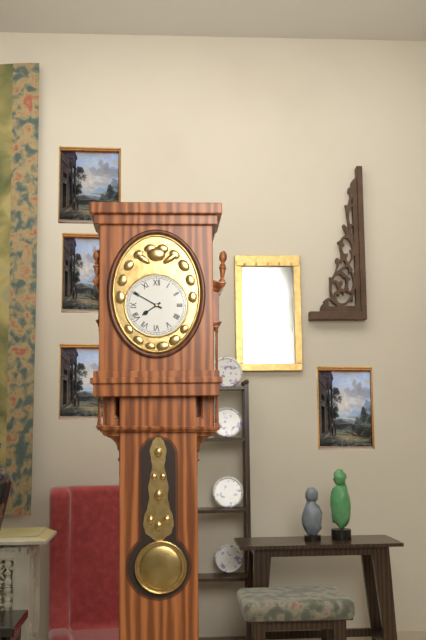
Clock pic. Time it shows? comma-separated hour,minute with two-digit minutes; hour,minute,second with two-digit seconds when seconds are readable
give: 7,50
